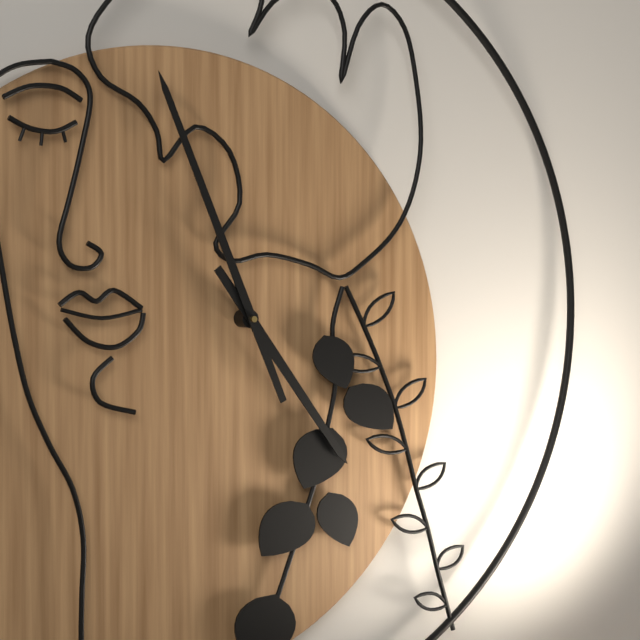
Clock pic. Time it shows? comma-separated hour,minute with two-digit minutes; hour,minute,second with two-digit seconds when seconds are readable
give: 4,57
